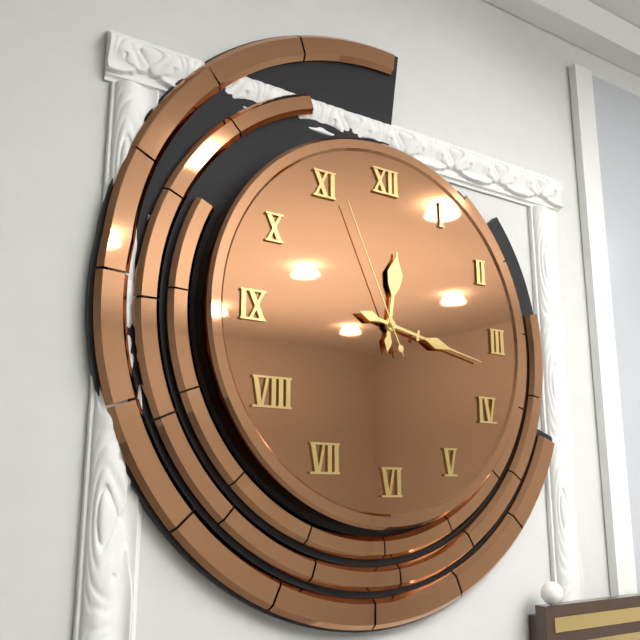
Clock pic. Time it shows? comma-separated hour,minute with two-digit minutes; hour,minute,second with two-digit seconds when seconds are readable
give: 12,17,56
